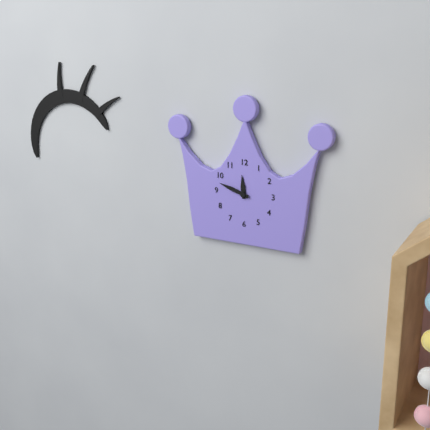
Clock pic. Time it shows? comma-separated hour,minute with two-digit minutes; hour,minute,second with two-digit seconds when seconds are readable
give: 11,48
